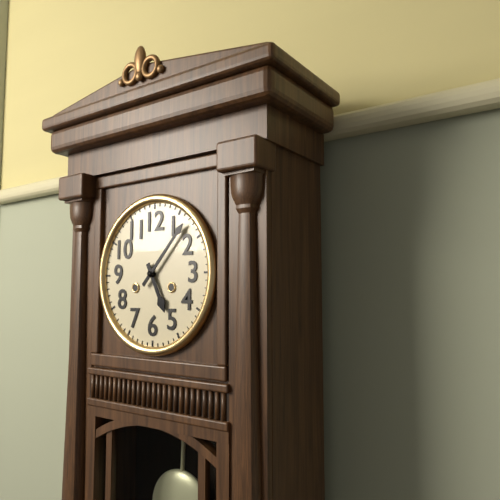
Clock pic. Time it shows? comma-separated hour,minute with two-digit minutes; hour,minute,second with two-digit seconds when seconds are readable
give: 5,07
